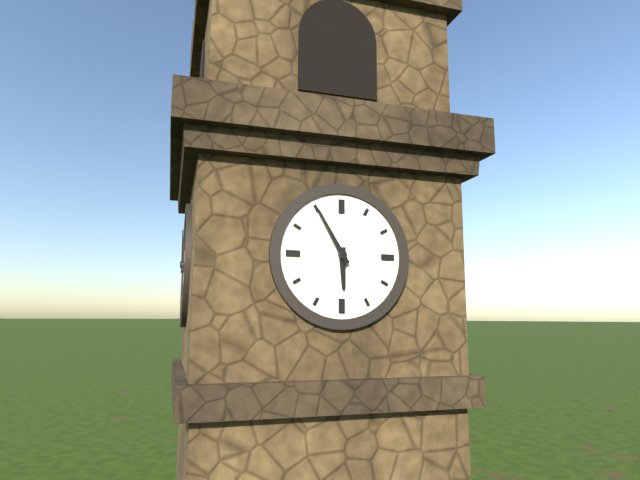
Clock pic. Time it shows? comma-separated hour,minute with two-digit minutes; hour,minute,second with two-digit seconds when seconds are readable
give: 5,55
